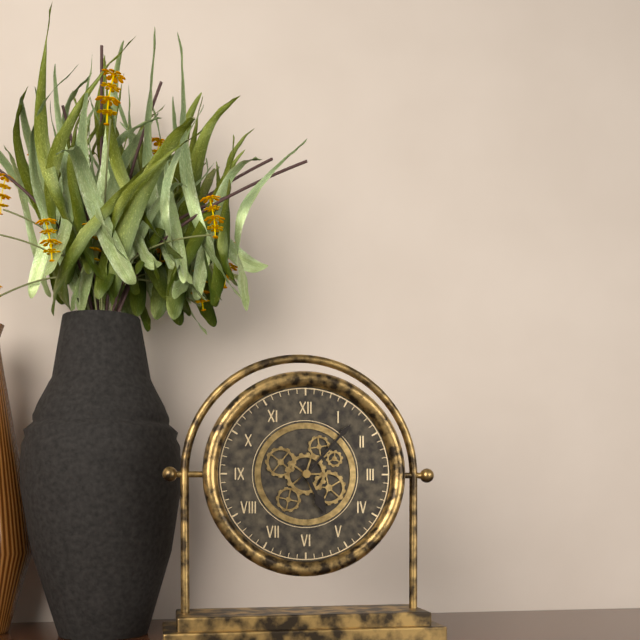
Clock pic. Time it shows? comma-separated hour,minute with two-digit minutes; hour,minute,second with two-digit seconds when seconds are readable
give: 5,07
